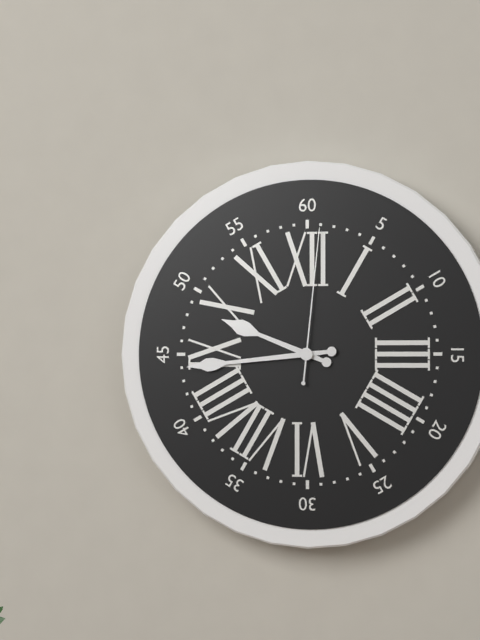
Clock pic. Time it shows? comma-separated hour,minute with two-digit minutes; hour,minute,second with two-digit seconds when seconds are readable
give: 9,44,01
